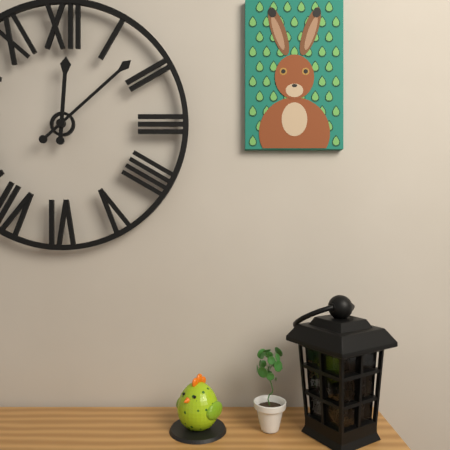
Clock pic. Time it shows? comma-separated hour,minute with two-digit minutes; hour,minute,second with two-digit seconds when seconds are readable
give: 12,08
